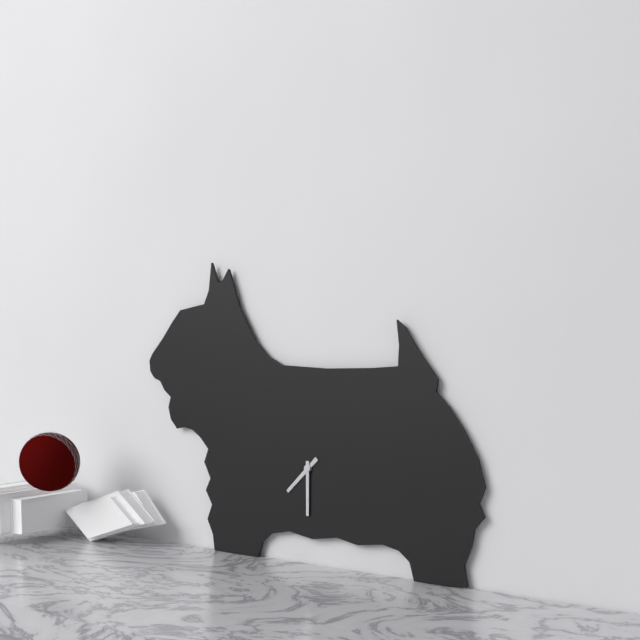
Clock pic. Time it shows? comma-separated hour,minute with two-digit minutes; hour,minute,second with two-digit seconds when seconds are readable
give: 7,30
